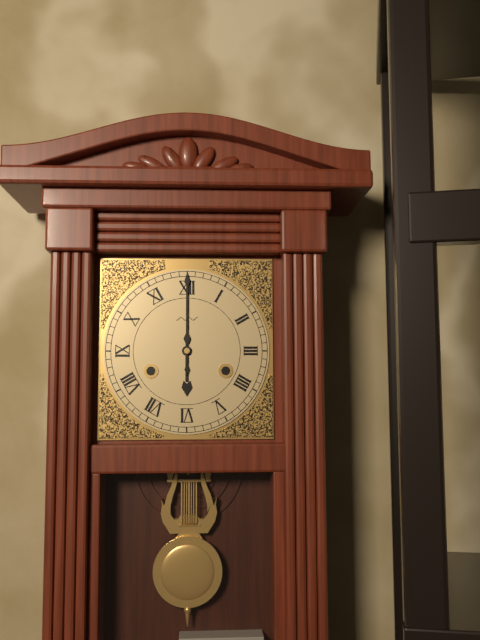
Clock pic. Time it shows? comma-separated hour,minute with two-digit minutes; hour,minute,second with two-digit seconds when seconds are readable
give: 6,00
